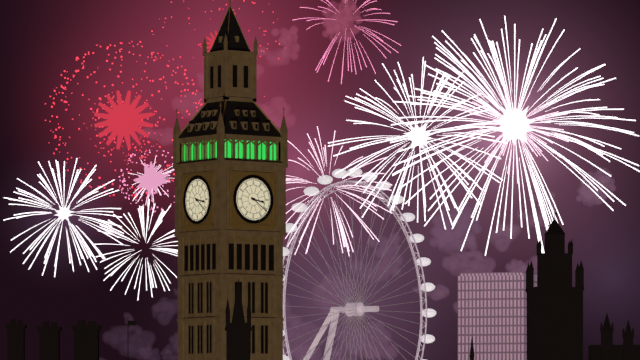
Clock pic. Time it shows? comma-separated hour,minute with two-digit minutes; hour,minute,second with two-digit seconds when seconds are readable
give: 3,21
